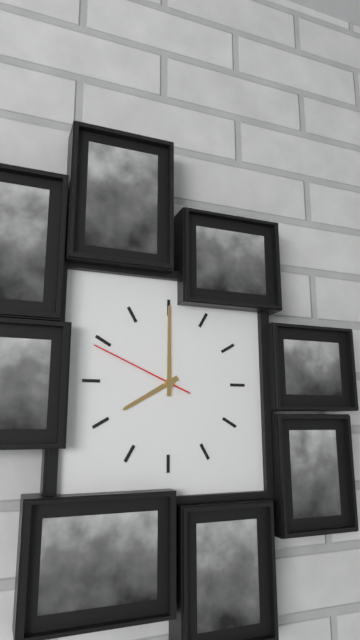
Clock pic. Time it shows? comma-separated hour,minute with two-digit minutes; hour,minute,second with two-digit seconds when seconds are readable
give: 8,00,49
